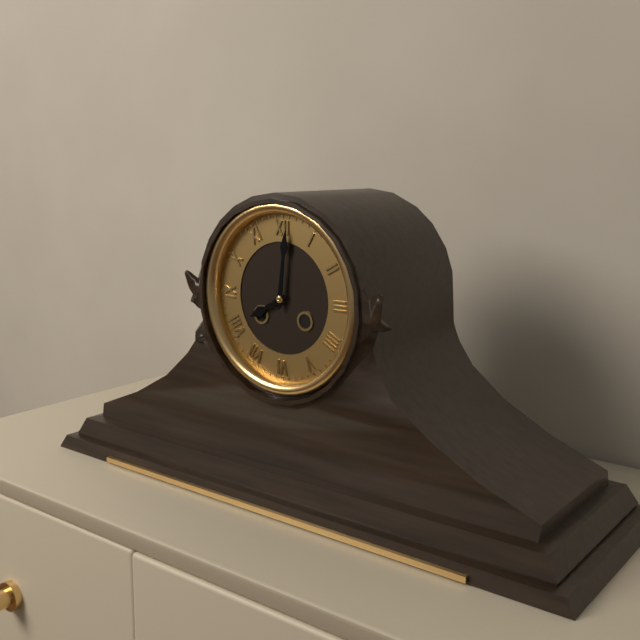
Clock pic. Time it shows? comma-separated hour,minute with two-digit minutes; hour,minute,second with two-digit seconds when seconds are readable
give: 8,01
